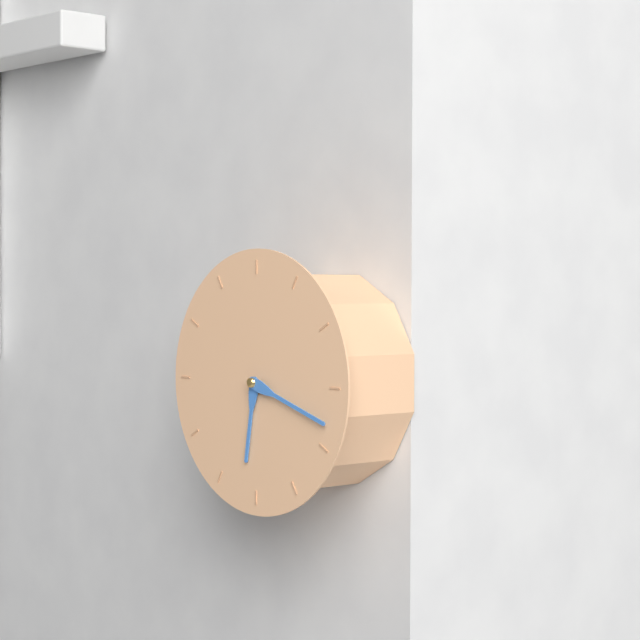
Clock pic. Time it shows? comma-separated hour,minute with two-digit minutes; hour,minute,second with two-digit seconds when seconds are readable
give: 6,18
